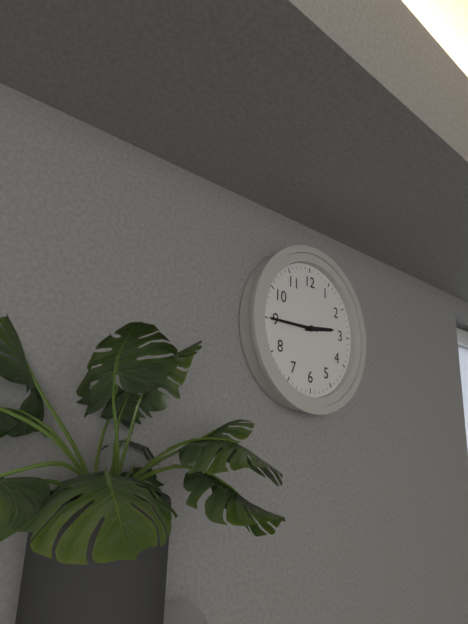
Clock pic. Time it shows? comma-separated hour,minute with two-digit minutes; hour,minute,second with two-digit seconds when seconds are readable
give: 2,45
